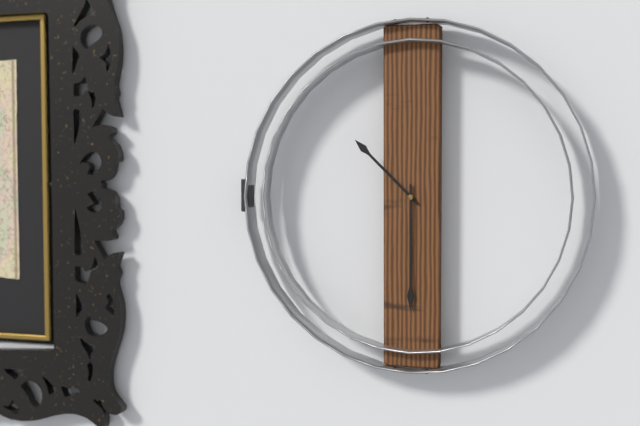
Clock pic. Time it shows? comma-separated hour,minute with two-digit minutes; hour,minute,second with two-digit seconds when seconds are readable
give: 10,30
